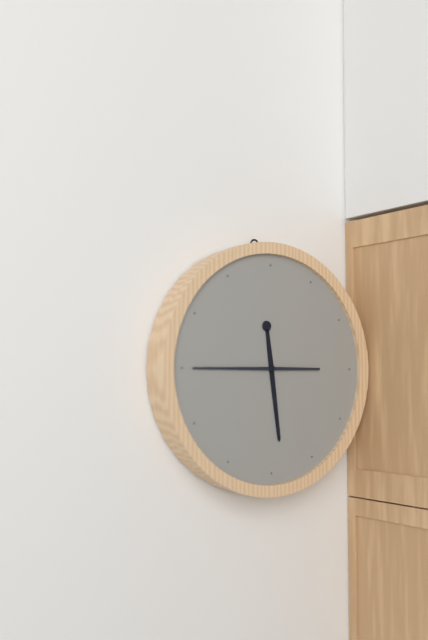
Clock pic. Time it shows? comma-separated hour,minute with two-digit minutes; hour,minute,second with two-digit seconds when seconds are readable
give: 5,45
